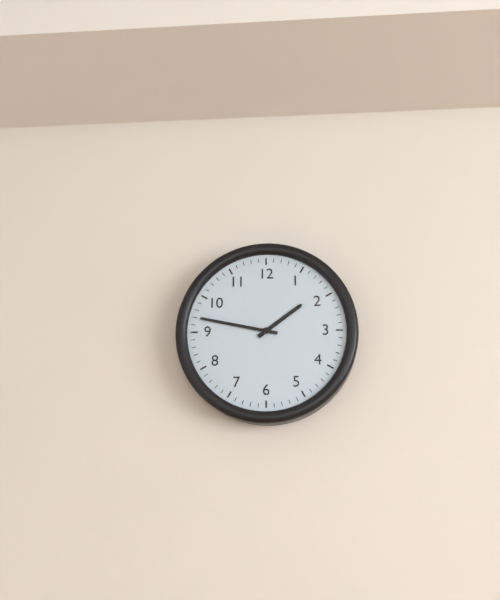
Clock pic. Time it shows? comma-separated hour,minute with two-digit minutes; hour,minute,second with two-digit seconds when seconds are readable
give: 1,47
